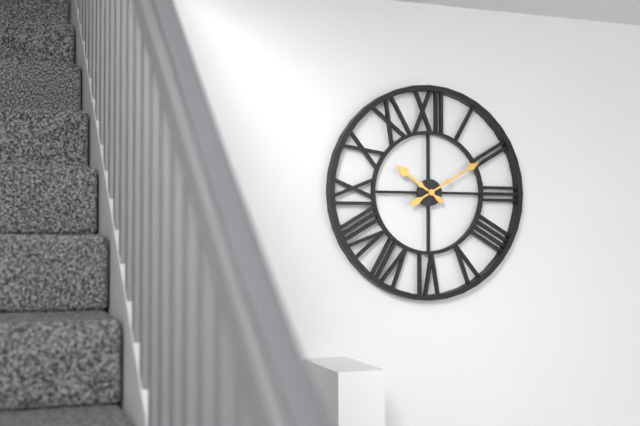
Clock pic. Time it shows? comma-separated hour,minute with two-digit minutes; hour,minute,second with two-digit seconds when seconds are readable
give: 10,10
